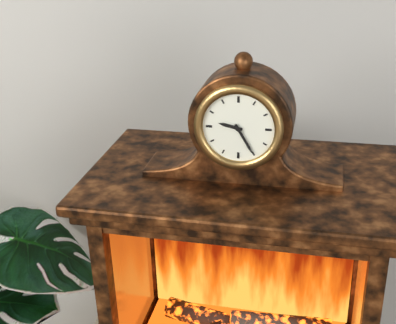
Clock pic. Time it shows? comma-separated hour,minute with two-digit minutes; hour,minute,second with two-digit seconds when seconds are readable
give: 9,25
